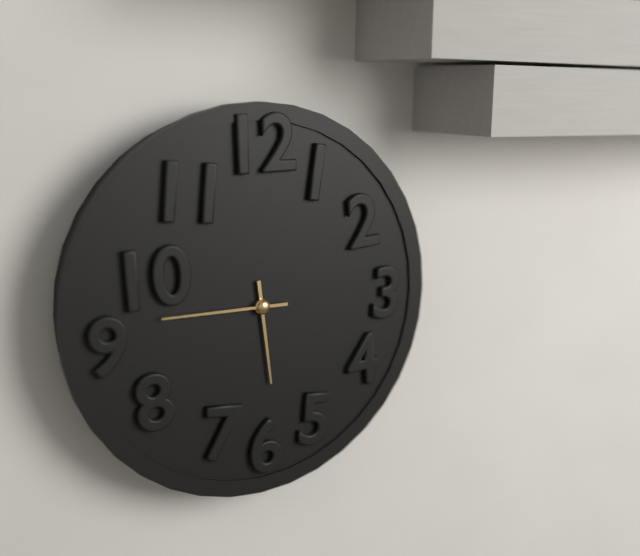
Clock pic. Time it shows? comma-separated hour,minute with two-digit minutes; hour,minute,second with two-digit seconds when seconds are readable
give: 5,45
